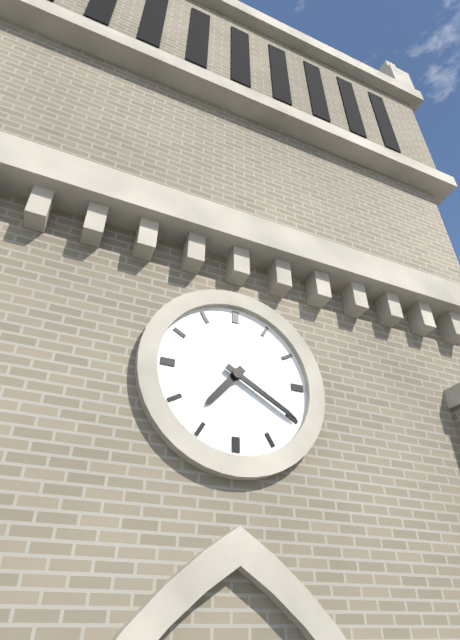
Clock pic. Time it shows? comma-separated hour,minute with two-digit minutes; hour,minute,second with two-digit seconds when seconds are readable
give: 7,20
